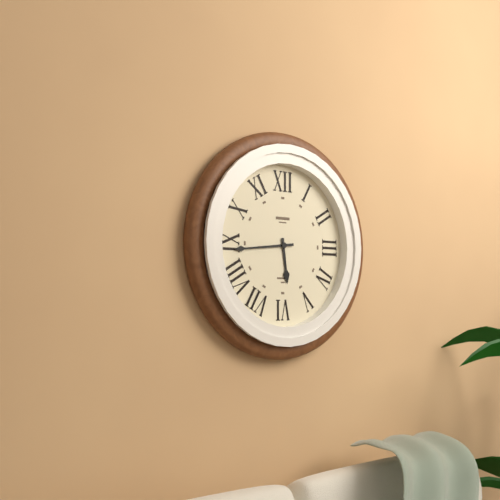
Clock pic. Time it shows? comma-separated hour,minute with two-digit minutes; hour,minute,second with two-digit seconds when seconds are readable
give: 5,44
